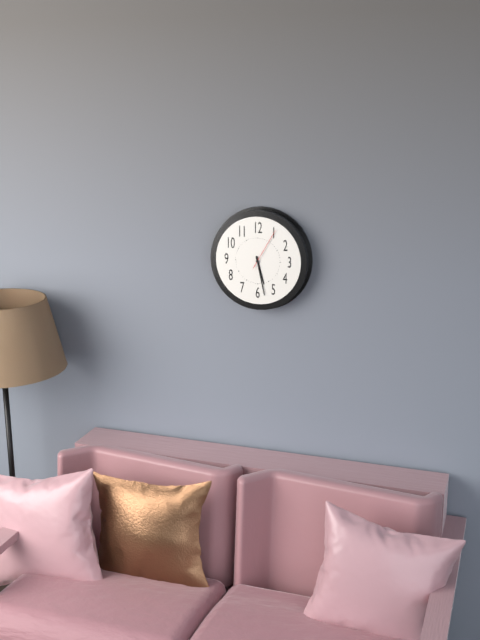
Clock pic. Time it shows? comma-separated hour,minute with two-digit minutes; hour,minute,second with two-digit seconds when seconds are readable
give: 5,28
